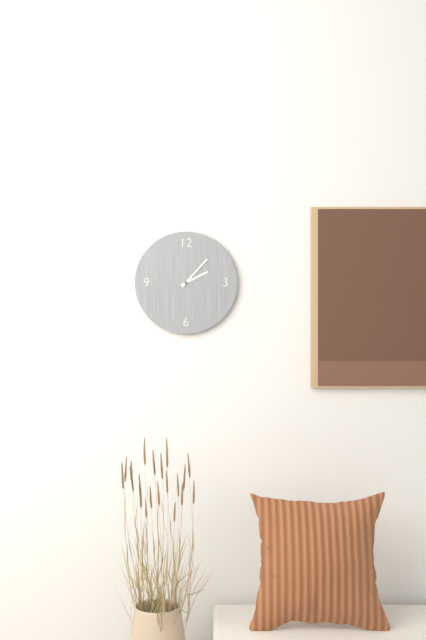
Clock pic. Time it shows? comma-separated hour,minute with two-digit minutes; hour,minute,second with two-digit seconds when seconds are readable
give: 2,07
